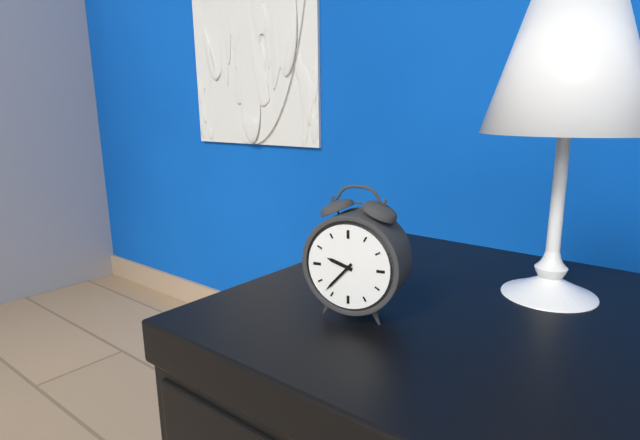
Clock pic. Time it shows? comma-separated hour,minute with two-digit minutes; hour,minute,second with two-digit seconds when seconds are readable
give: 9,37
